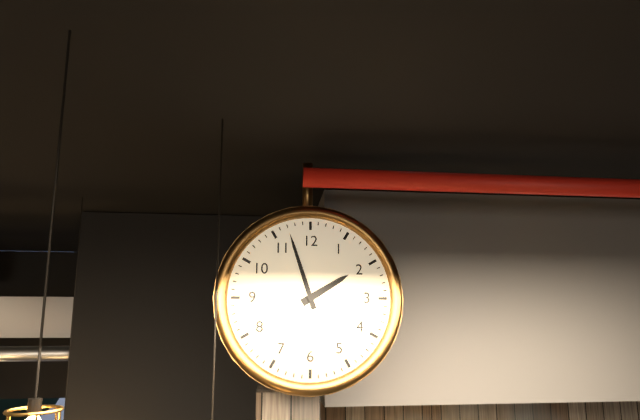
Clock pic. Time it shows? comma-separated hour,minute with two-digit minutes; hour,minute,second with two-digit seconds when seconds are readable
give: 1,57
